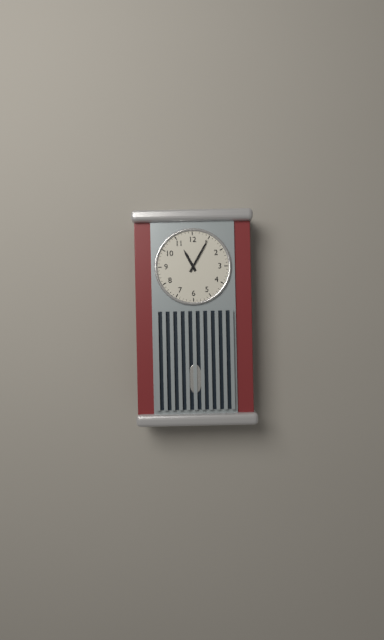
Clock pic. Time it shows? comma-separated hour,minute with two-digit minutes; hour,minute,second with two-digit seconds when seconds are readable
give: 11,05
